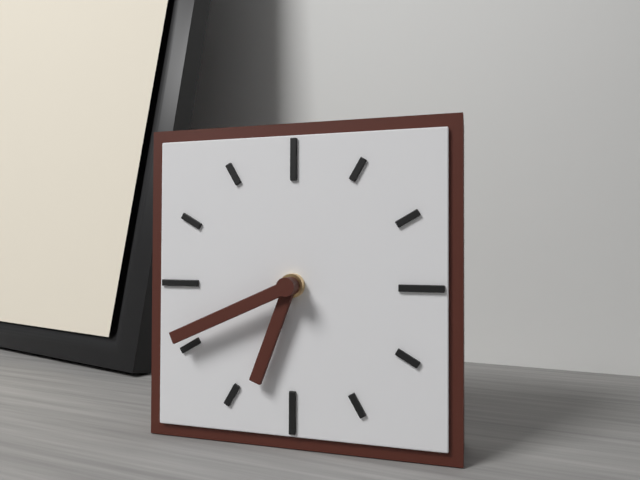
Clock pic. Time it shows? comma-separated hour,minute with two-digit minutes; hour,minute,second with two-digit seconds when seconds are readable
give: 6,41
